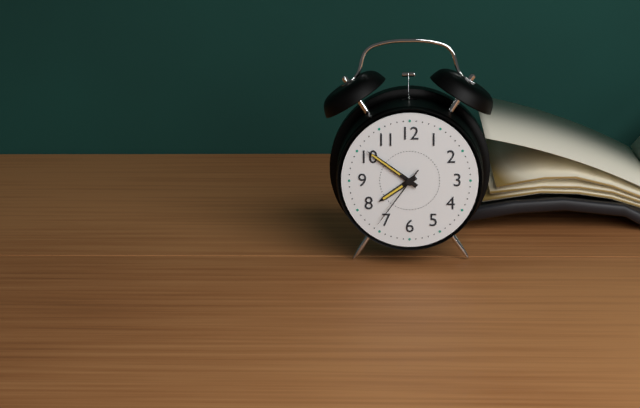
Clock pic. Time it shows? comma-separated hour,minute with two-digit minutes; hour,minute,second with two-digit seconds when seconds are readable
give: 7,51,36
